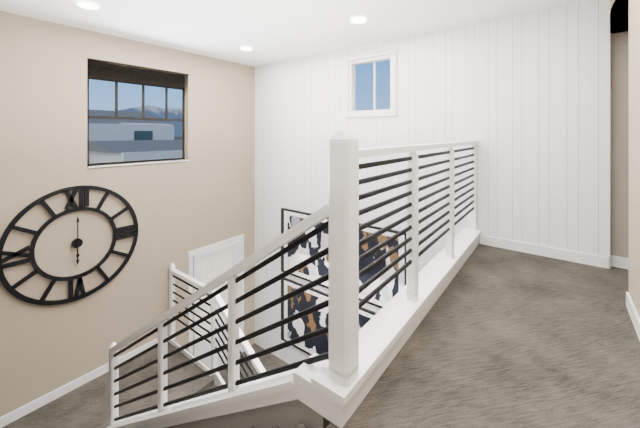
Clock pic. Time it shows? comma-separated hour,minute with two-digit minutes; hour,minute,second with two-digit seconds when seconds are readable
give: 6,00
